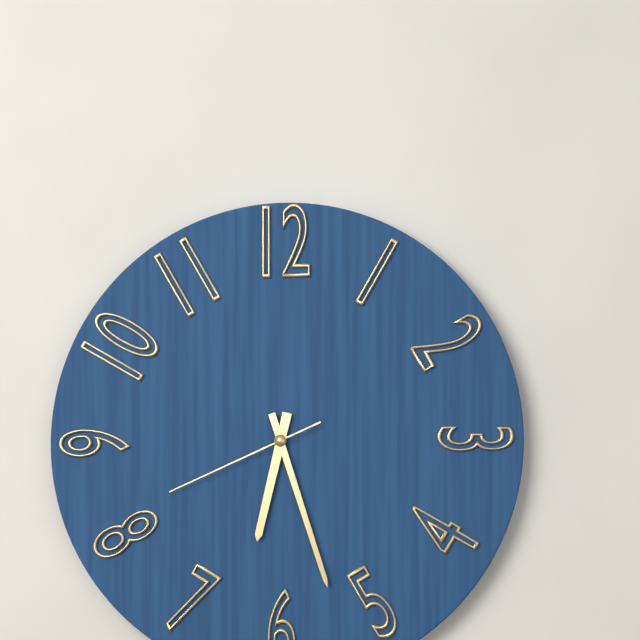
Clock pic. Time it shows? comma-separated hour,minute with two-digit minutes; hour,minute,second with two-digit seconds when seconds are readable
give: 6,27,41
